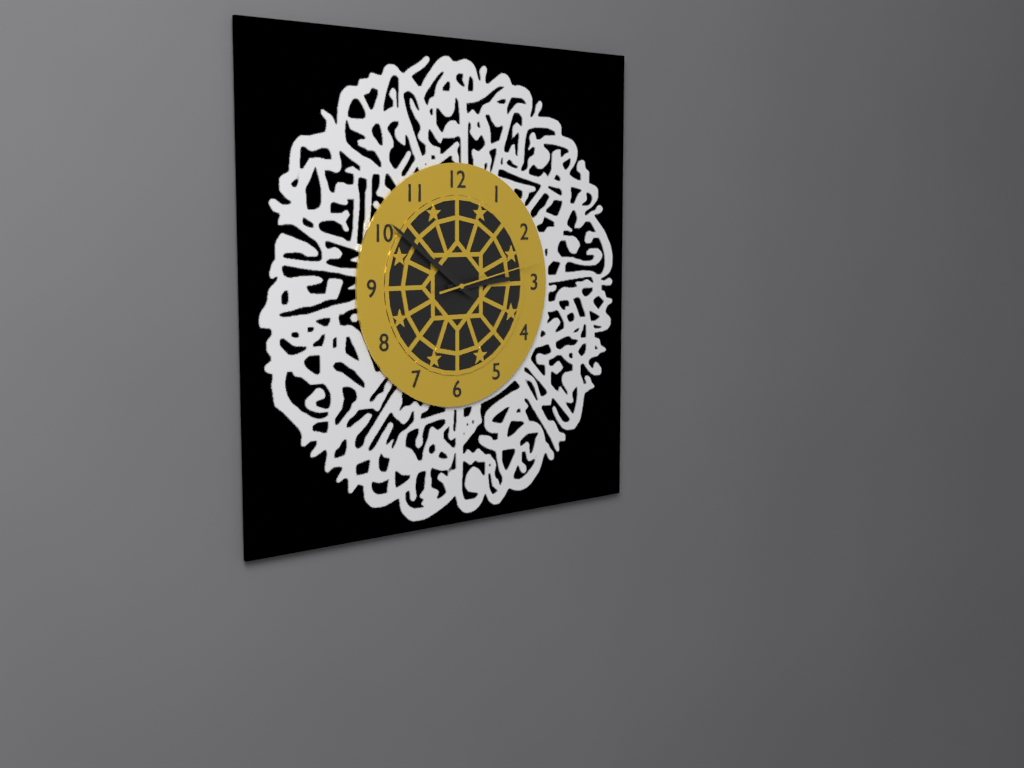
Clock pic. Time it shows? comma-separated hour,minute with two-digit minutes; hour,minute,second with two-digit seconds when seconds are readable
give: 2,51,13
